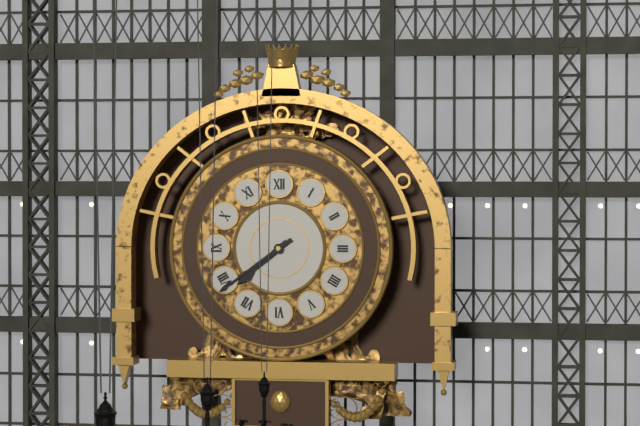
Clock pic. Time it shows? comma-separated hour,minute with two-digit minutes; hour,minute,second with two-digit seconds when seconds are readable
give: 7,39
